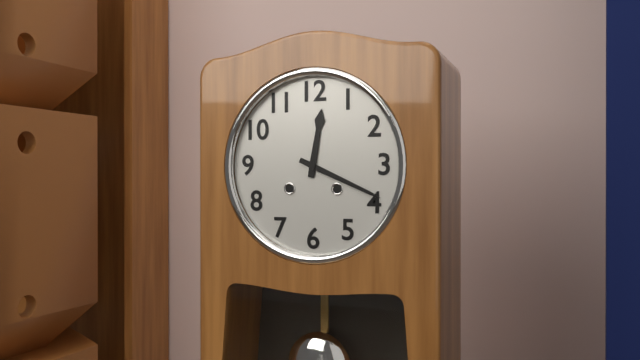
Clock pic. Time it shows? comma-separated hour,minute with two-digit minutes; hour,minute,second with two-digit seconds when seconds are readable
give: 12,19
